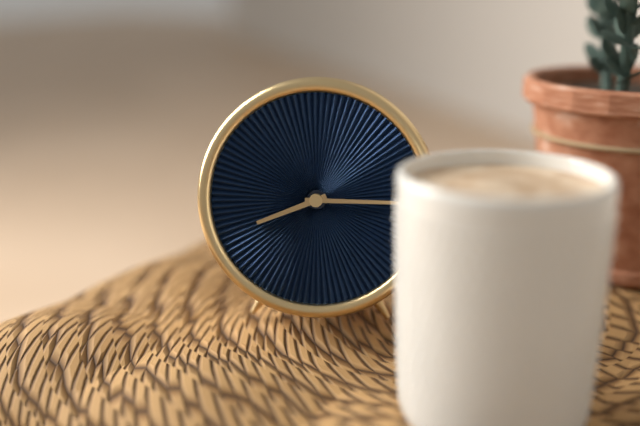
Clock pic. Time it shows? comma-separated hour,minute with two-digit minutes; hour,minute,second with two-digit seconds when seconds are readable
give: 8,15
